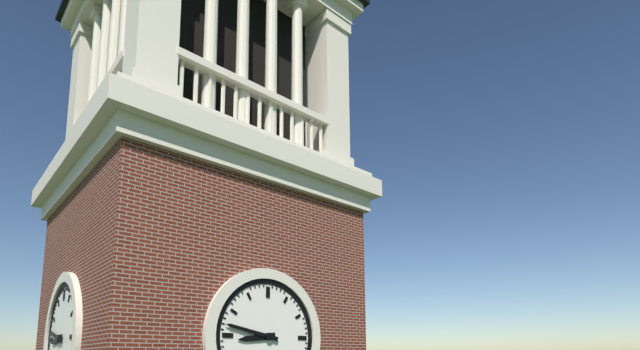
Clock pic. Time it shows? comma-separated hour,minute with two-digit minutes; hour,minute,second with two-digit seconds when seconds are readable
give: 8,47
